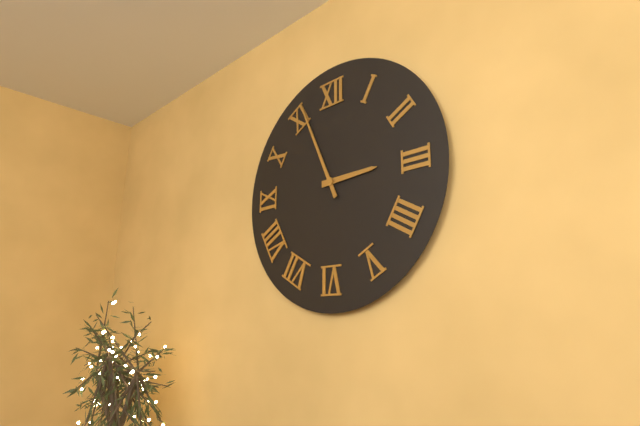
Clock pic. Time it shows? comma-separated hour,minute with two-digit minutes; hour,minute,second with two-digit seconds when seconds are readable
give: 2,56
